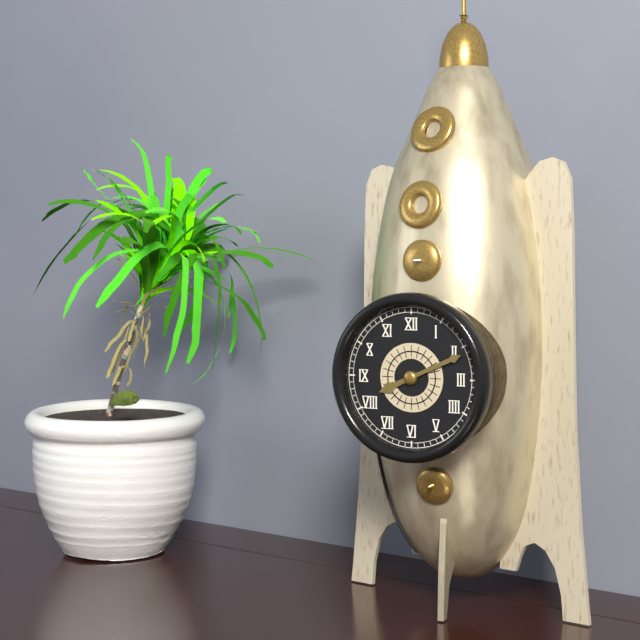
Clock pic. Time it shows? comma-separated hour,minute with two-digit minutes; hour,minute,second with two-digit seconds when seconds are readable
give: 8,11
